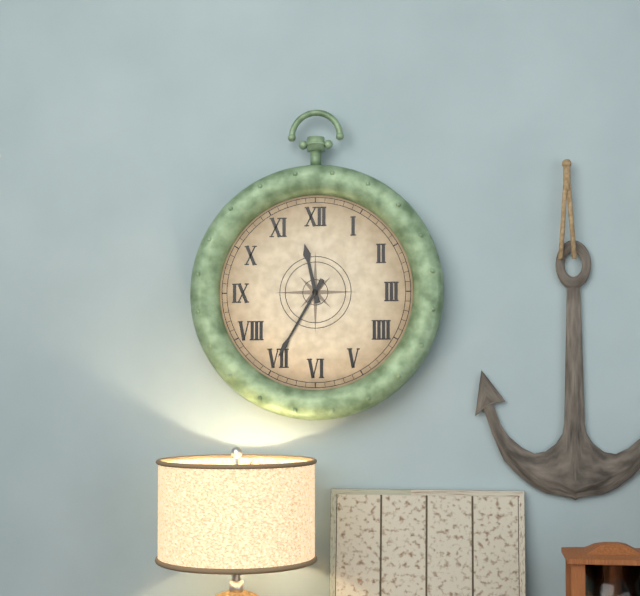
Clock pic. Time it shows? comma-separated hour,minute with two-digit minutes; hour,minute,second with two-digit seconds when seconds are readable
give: 11,35
